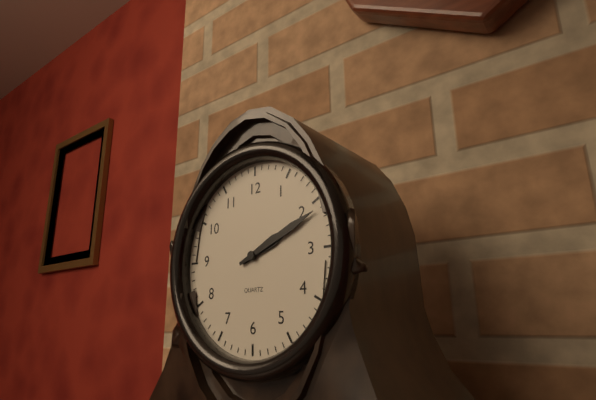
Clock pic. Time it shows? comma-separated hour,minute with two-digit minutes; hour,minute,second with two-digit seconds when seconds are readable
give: 2,11
